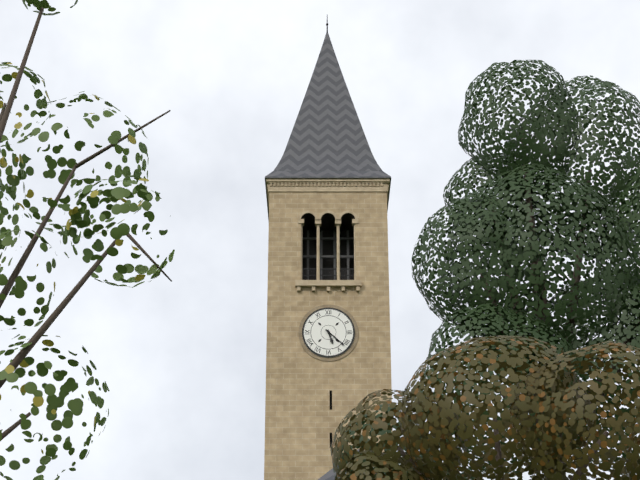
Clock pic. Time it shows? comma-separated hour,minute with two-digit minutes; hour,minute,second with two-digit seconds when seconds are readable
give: 5,22
